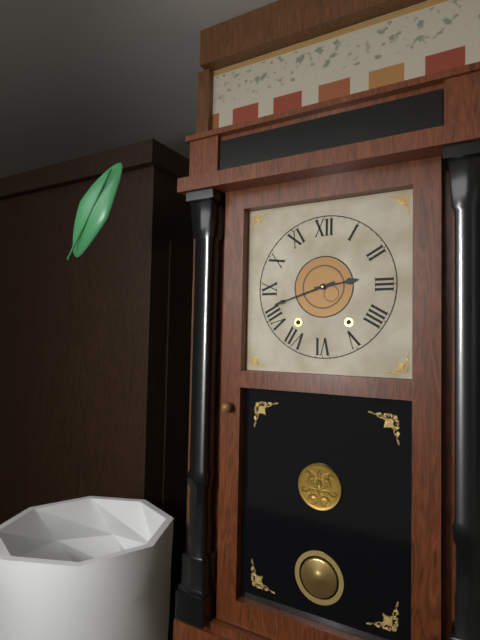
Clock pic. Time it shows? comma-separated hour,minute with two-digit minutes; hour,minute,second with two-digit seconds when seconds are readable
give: 2,42
